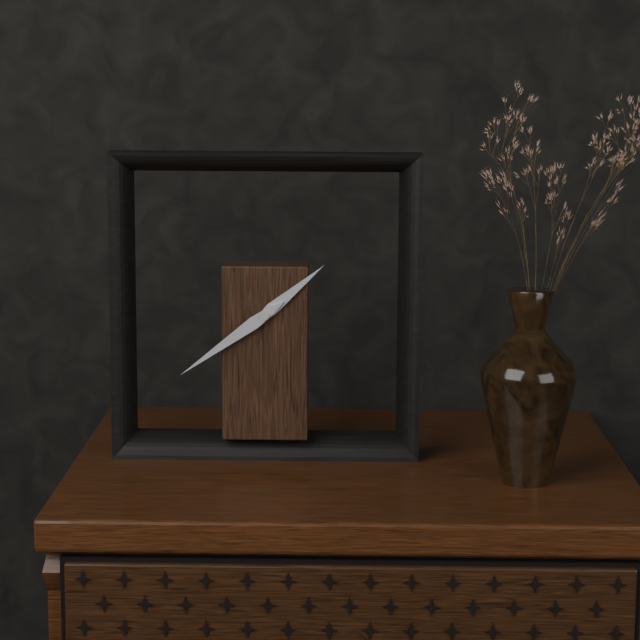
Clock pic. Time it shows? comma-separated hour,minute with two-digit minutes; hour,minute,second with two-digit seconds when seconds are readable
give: 1,39
